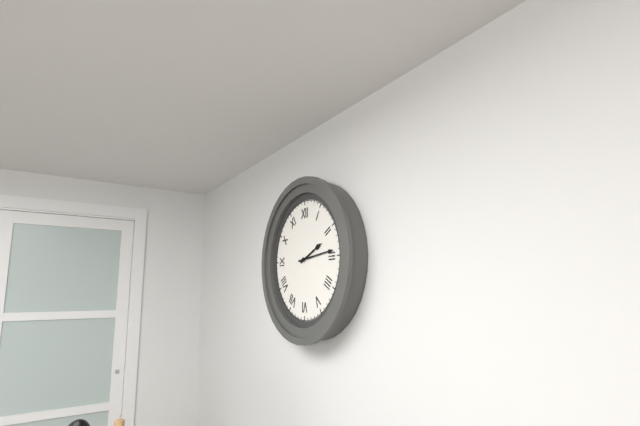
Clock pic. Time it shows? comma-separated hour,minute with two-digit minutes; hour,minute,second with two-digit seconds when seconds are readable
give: 2,14
